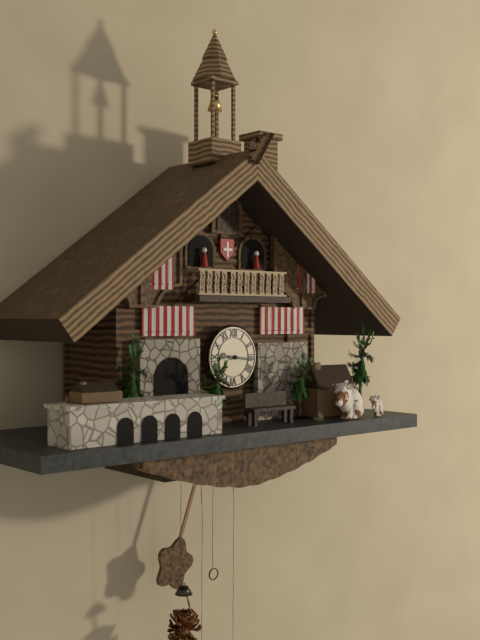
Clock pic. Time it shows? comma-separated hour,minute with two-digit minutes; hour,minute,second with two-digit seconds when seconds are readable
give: 9,16
